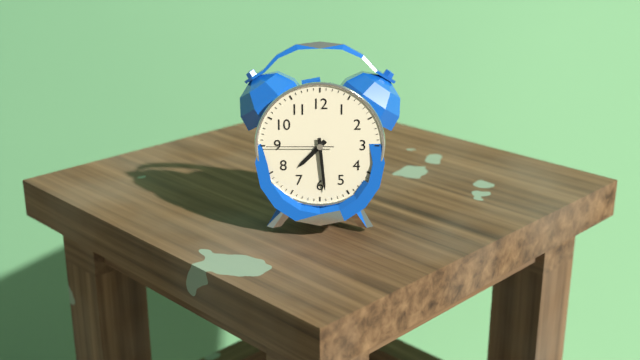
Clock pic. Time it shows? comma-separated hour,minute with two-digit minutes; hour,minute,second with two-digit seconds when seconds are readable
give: 7,29,45
